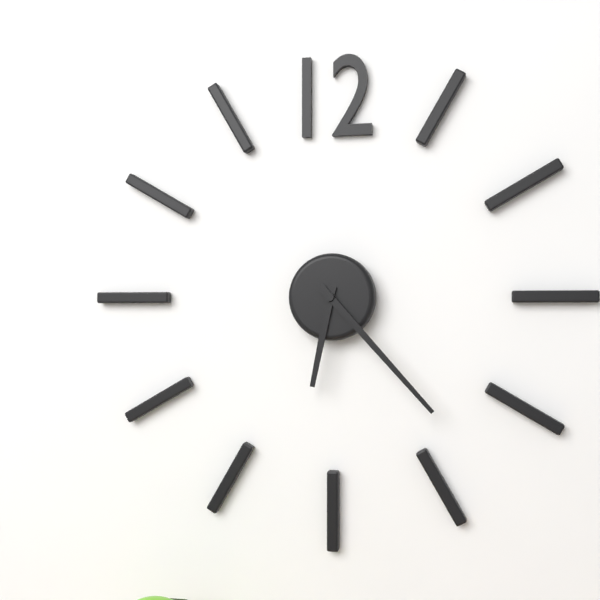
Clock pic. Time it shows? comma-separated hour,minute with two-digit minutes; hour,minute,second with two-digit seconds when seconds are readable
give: 6,23
